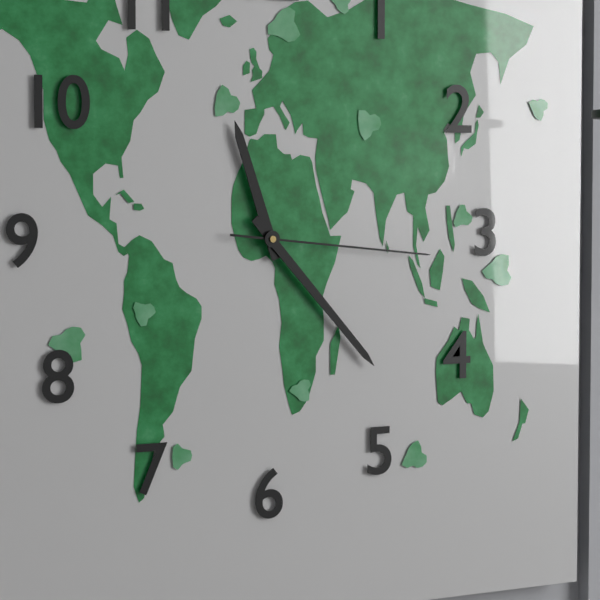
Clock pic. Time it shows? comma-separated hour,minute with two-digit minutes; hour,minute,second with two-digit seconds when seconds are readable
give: 11,23,16
